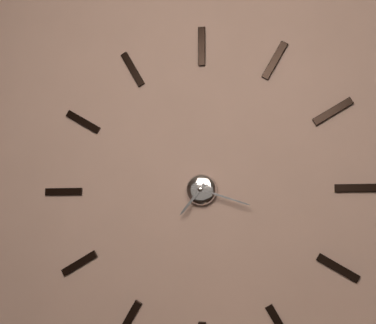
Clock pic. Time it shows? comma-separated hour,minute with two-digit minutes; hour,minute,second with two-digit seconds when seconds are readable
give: 7,18
